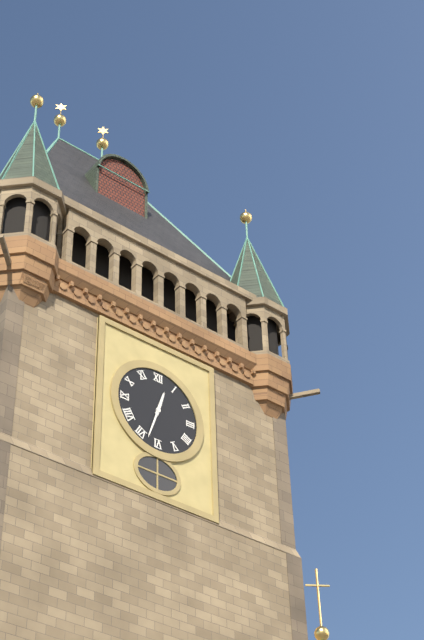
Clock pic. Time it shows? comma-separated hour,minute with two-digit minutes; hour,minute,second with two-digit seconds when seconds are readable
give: 12,33
